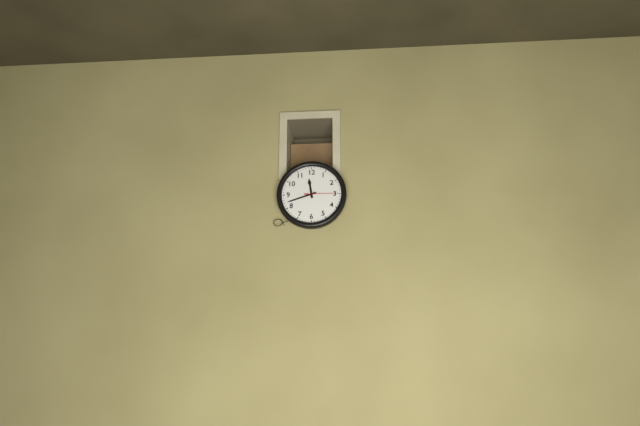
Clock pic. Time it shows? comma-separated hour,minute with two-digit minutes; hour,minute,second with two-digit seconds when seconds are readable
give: 11,42
